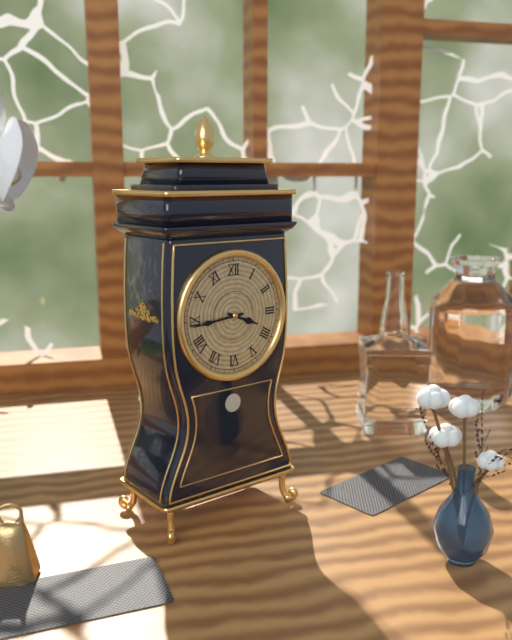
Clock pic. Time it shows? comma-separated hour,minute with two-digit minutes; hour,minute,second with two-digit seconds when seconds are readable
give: 3,44
